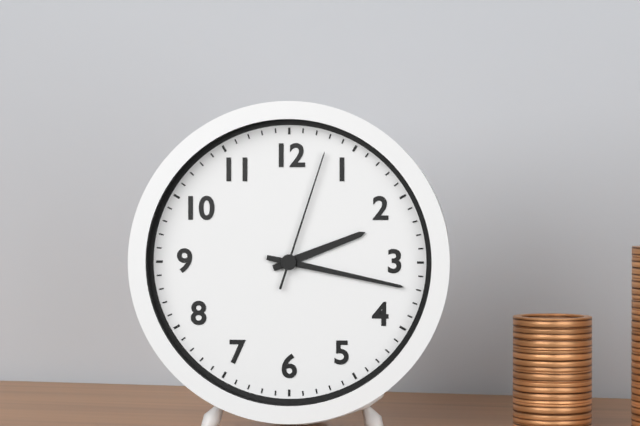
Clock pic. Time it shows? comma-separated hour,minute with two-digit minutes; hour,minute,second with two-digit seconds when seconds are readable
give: 2,17,03
